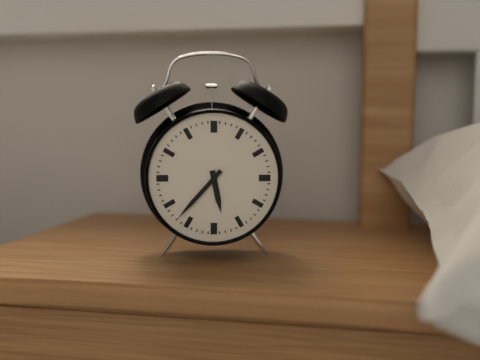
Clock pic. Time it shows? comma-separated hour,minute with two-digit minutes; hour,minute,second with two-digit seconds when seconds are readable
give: 5,37
